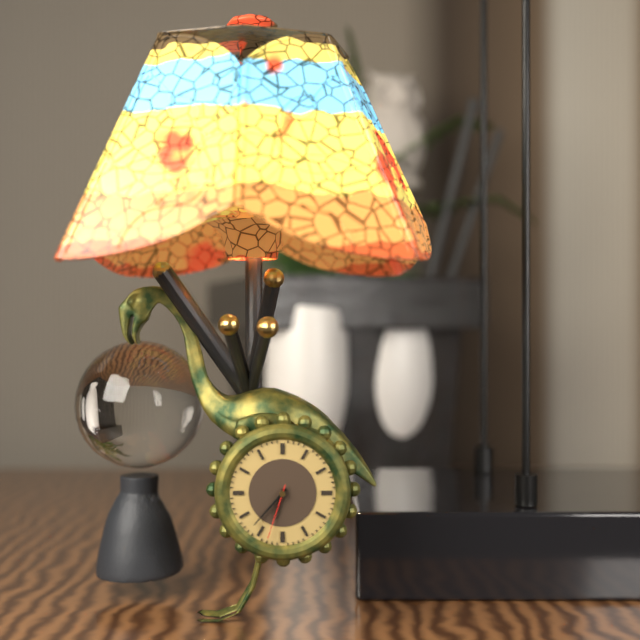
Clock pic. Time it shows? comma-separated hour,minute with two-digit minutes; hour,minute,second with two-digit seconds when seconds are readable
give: 6,37,33
